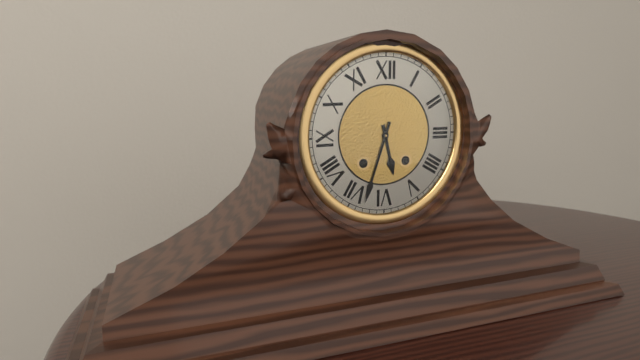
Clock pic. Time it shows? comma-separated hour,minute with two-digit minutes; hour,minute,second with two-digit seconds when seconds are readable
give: 5,33
